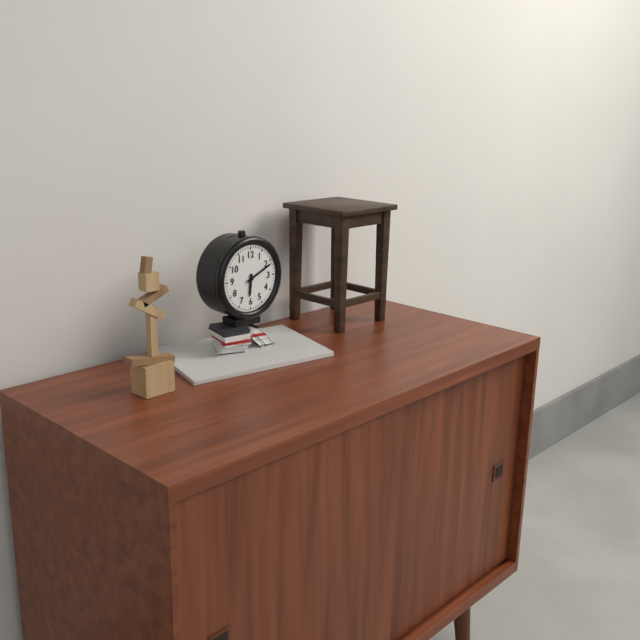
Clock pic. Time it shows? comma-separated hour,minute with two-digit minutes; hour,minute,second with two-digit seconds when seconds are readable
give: 6,11
